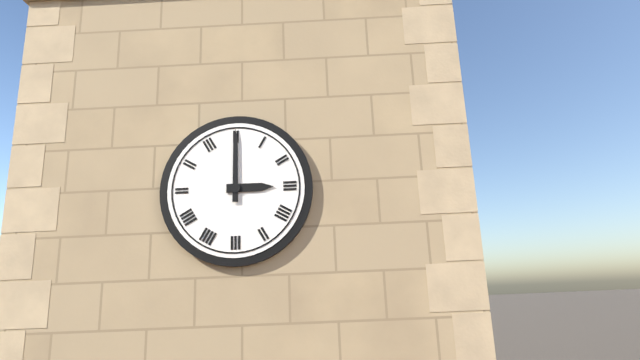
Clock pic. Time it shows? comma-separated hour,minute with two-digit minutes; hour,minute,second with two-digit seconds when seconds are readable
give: 3,00
